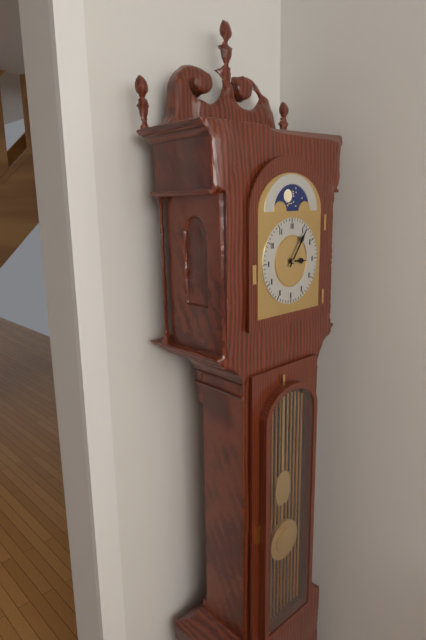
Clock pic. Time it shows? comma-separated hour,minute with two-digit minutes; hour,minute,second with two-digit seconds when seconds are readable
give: 3,06
